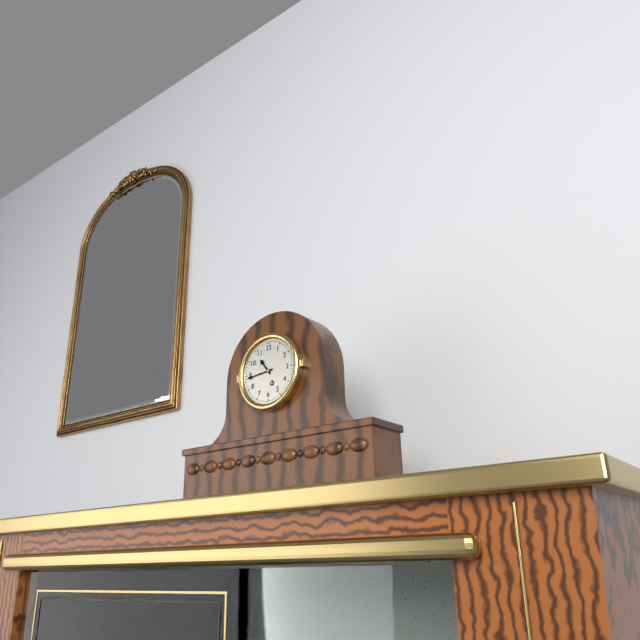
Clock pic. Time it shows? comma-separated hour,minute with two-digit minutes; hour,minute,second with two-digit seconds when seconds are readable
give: 10,44
